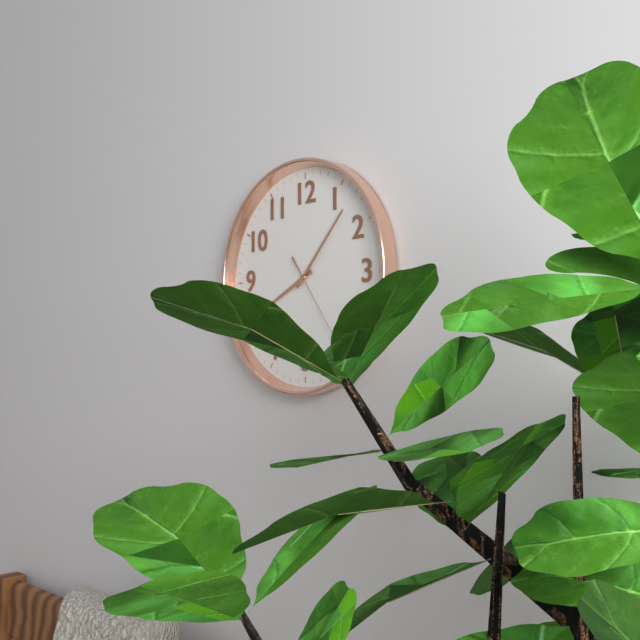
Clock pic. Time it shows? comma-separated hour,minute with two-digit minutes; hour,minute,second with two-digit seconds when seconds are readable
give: 8,07,24
